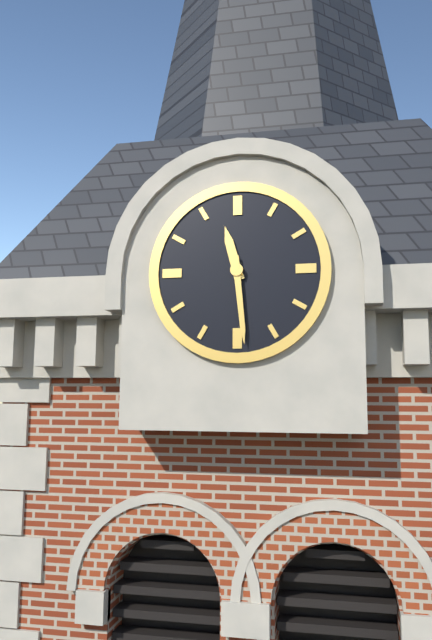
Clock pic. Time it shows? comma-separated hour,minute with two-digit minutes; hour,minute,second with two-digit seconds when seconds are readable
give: 11,29
